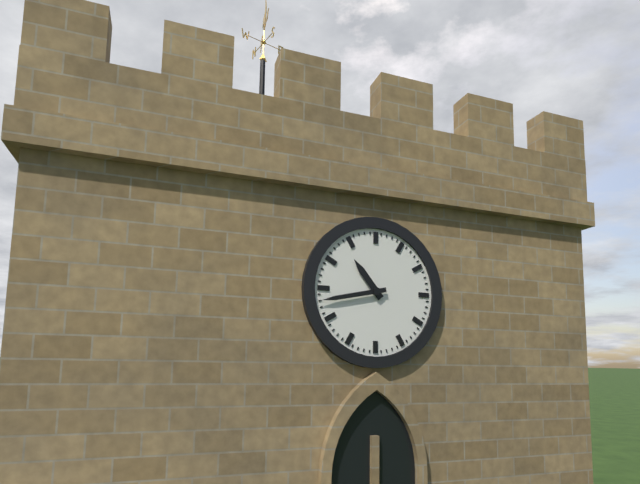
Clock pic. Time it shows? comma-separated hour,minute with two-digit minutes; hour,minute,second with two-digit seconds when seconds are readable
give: 10,43
